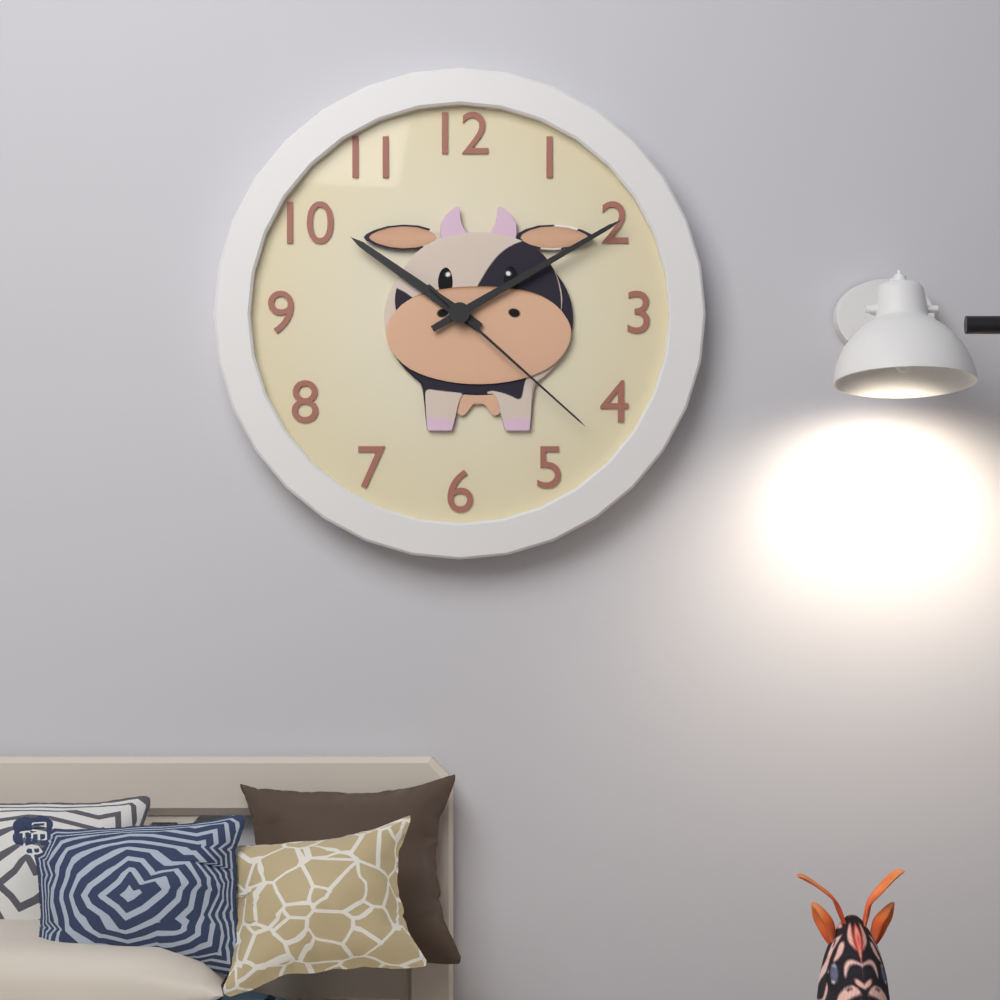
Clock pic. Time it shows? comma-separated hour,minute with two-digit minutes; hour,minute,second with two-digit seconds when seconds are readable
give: 10,10,22
